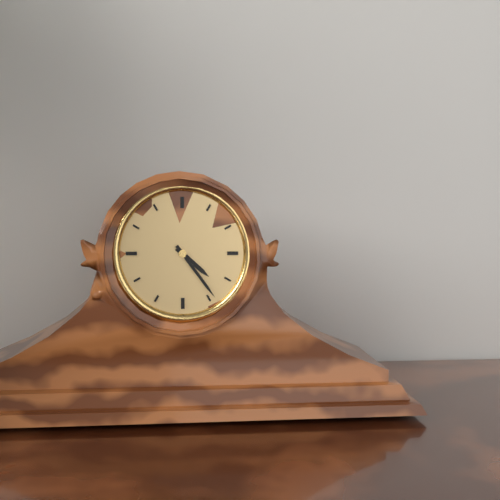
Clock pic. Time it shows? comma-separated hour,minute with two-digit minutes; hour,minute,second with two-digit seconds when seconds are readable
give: 4,24
